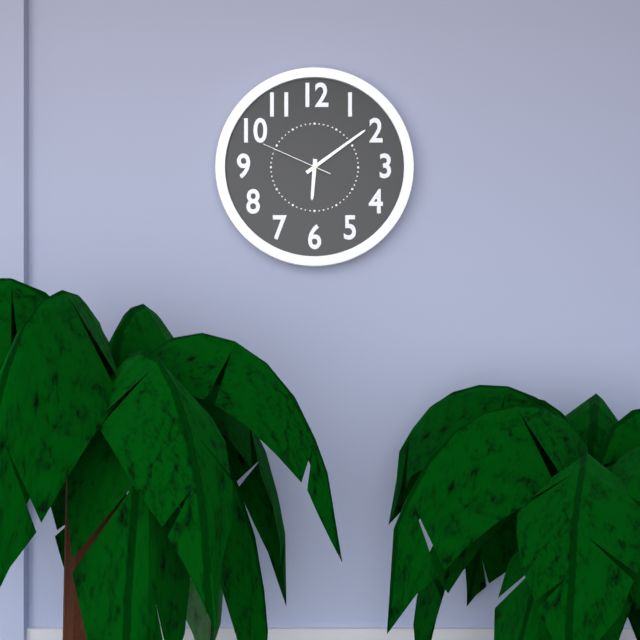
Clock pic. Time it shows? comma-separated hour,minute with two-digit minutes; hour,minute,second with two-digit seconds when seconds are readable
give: 6,09,49
